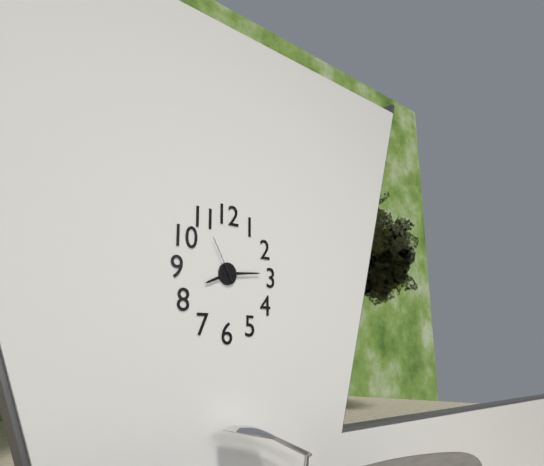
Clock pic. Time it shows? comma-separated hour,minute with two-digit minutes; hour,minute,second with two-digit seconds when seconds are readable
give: 8,14,55
